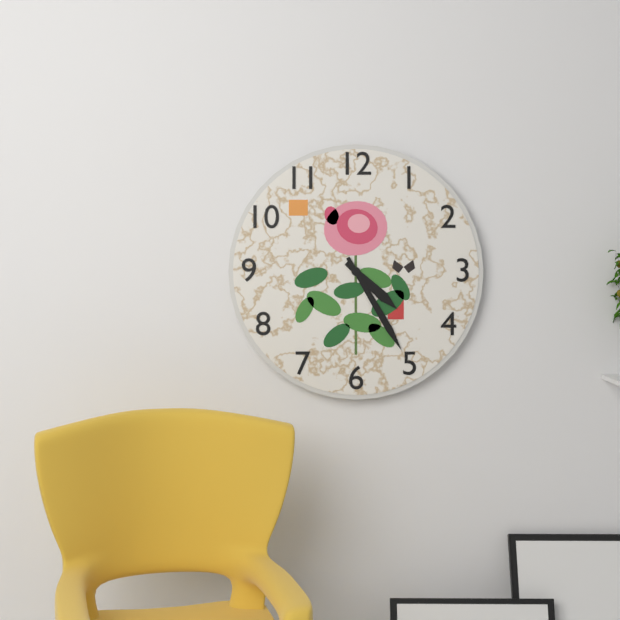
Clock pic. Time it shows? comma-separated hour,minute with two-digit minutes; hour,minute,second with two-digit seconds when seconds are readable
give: 4,25
